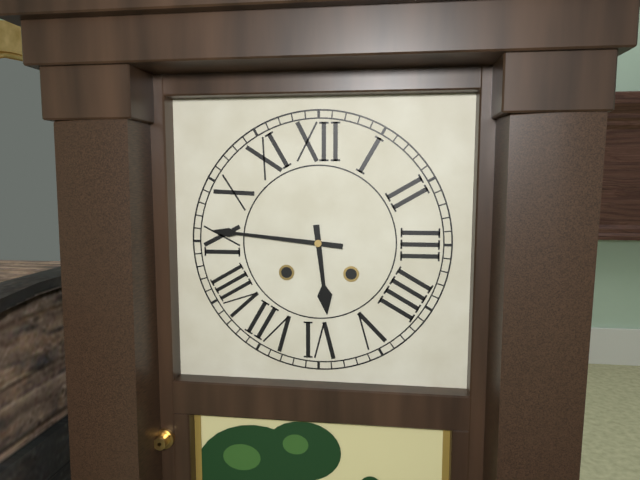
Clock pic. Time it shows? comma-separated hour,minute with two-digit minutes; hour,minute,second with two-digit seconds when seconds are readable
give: 5,46
